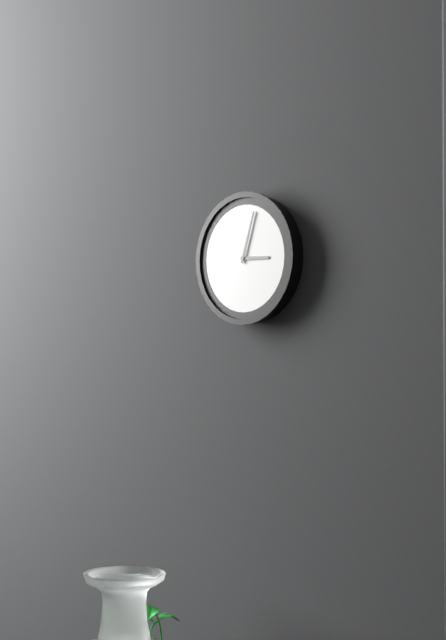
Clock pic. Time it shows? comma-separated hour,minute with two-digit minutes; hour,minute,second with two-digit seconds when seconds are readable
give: 3,03
